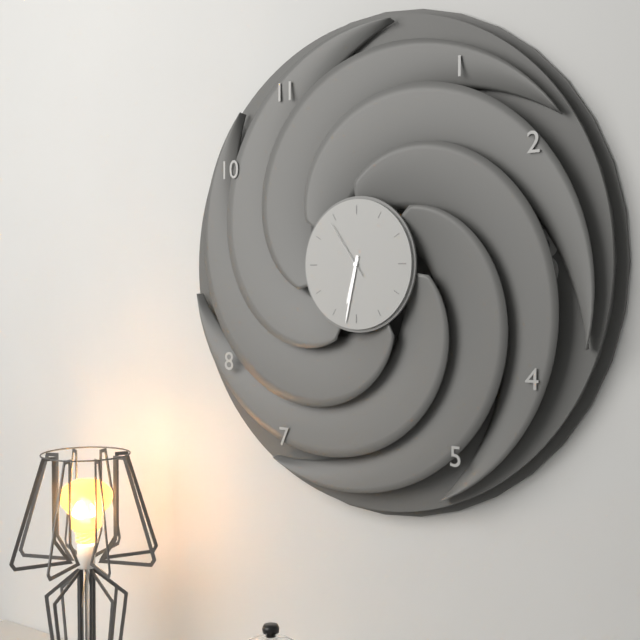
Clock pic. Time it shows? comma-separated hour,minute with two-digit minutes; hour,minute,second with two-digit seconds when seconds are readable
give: 6,32,54
